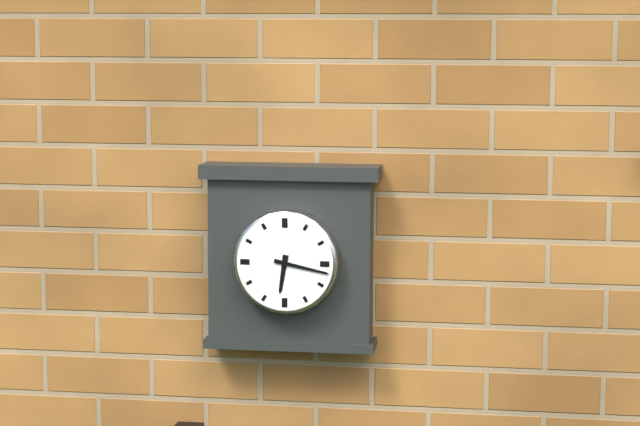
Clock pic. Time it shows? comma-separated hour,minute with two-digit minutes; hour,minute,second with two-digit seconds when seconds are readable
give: 6,17
